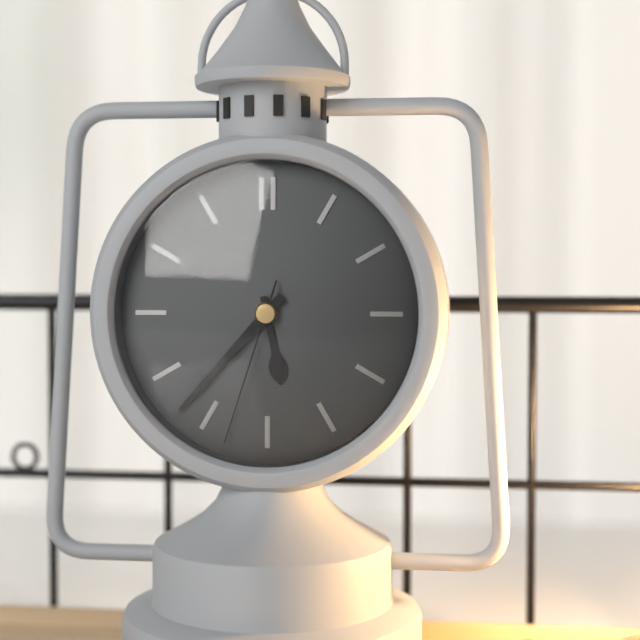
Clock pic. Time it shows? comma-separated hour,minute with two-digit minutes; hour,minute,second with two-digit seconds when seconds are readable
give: 5,37,33
